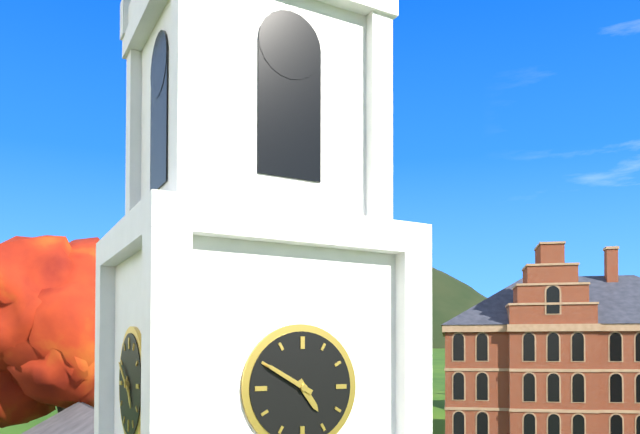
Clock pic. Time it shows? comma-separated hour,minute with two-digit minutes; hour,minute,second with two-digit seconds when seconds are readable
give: 4,50
